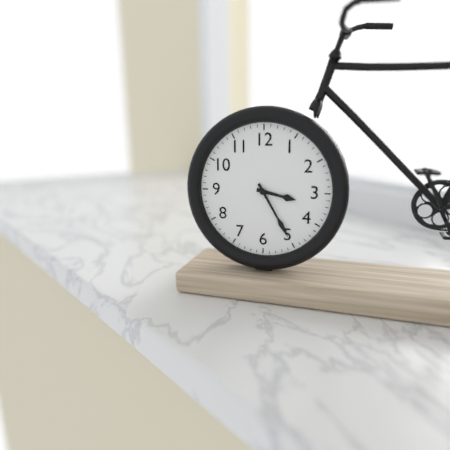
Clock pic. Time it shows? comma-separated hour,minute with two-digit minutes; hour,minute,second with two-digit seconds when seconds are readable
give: 3,25
